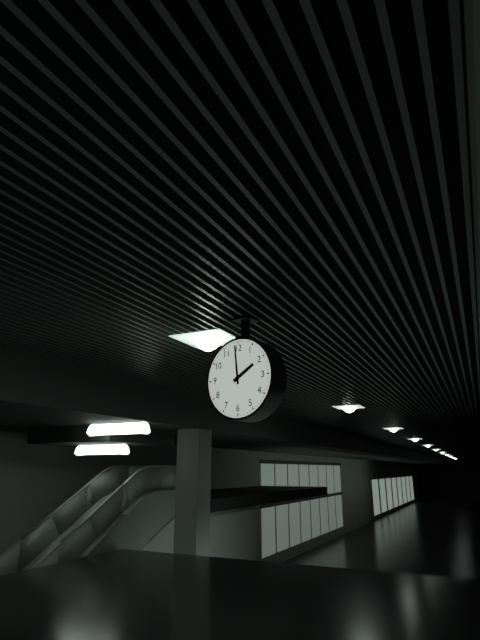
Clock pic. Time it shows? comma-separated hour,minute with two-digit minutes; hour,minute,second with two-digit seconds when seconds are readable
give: 1,59
